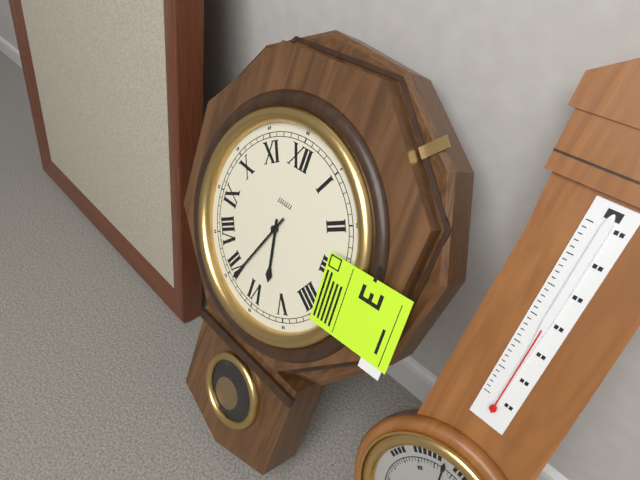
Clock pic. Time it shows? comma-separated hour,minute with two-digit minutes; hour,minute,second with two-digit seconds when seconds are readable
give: 5,34
